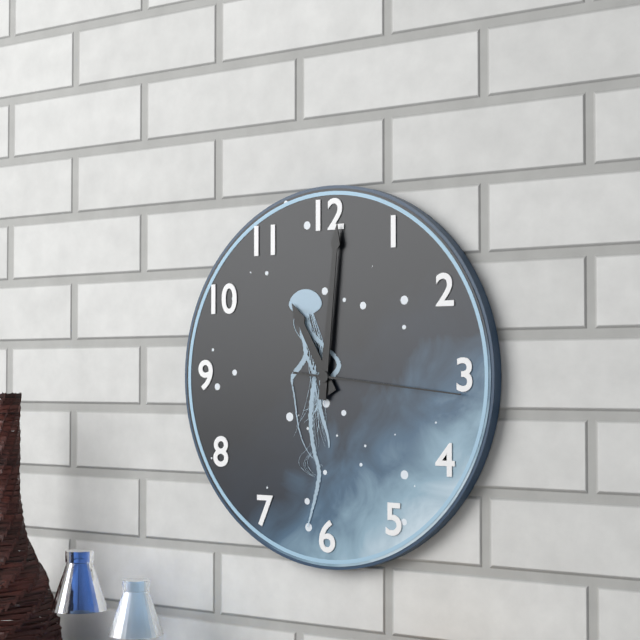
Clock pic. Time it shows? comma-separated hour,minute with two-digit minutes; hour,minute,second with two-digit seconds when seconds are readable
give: 11,01,16
